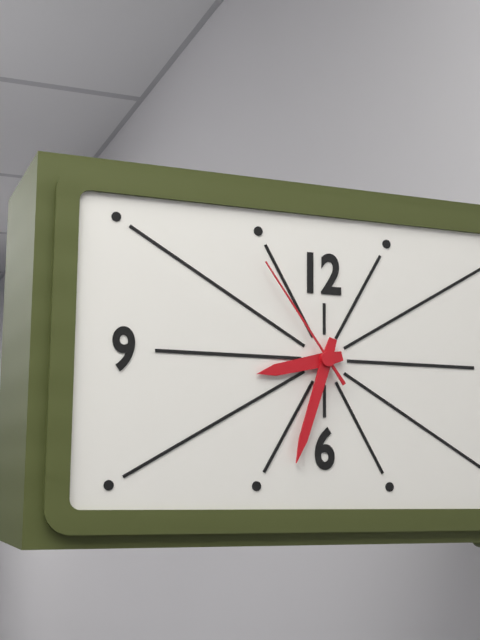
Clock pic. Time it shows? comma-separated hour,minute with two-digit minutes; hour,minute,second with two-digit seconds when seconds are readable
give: 8,33,54
